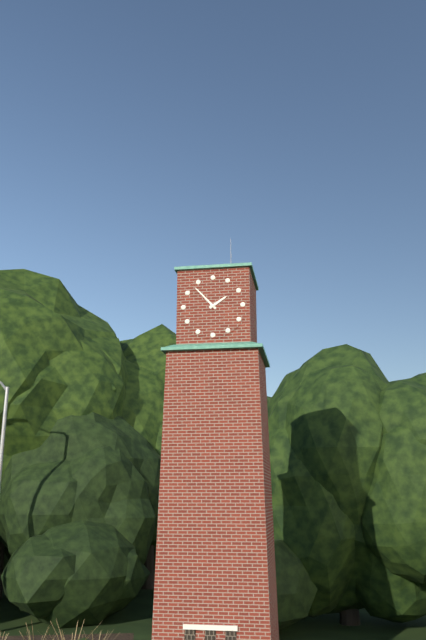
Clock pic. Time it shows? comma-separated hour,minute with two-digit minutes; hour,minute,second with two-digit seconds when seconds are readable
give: 1,53
